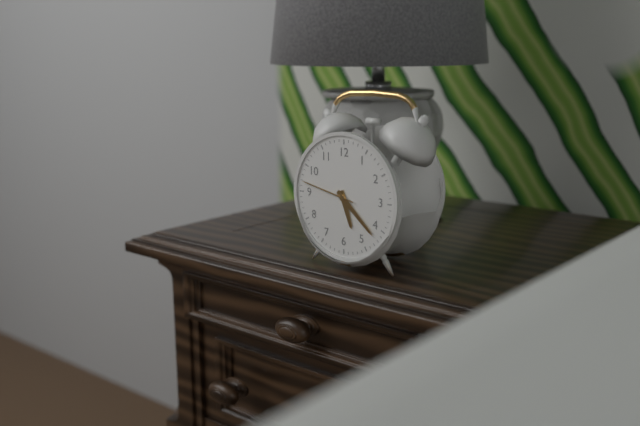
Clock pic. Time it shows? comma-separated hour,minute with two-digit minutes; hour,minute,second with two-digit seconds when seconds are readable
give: 5,22,47
